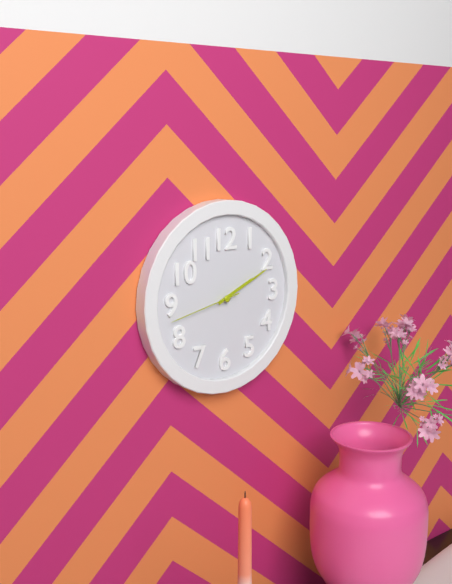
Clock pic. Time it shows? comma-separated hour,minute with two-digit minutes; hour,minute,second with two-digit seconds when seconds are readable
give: 2,11,43
